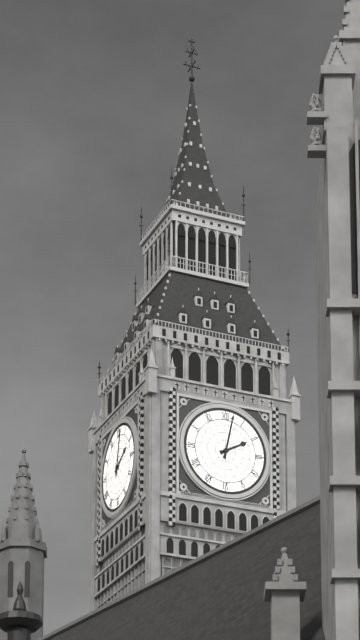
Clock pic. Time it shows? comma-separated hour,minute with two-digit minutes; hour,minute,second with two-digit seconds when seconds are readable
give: 2,02
